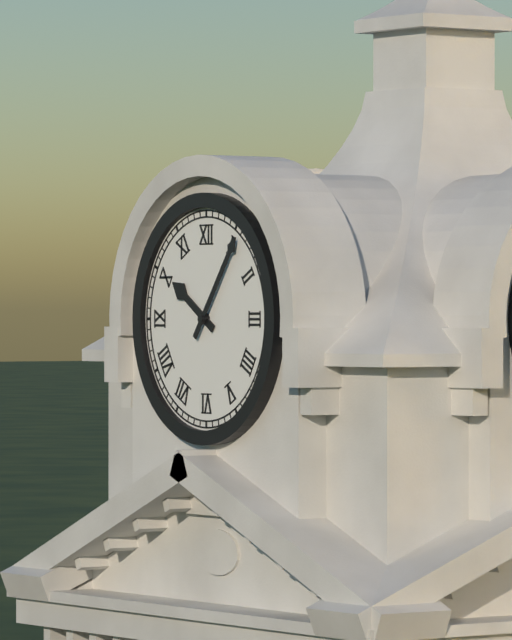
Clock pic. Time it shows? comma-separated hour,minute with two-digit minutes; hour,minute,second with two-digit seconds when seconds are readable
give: 10,06
